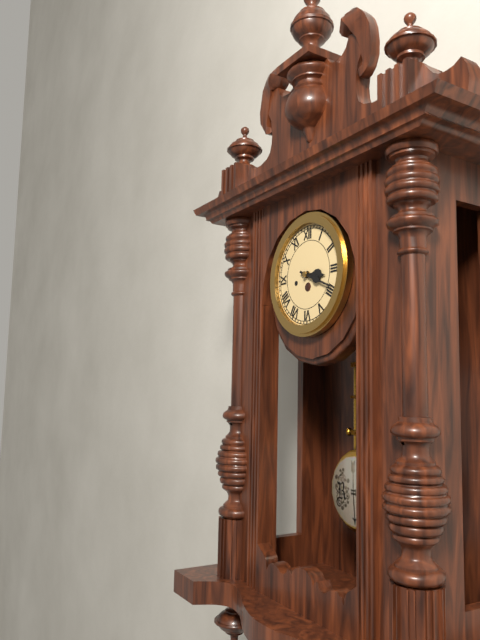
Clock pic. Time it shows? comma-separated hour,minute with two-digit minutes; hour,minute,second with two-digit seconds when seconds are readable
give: 3,19
